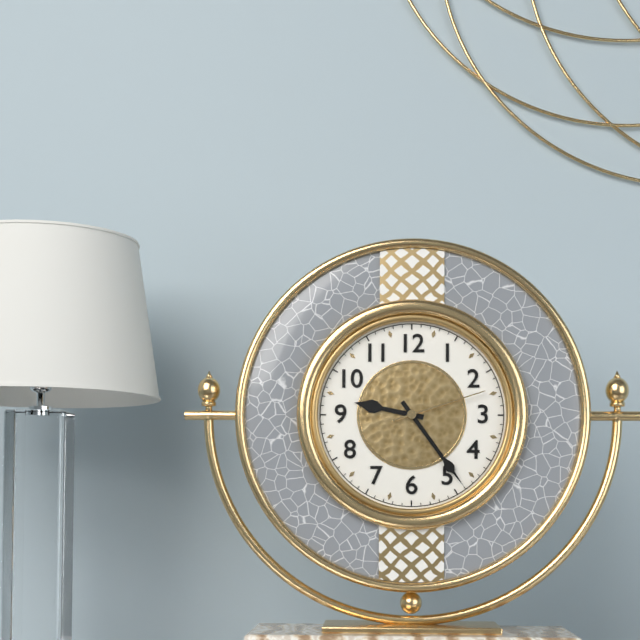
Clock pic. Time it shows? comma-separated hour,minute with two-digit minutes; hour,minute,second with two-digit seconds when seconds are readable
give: 9,24,12
